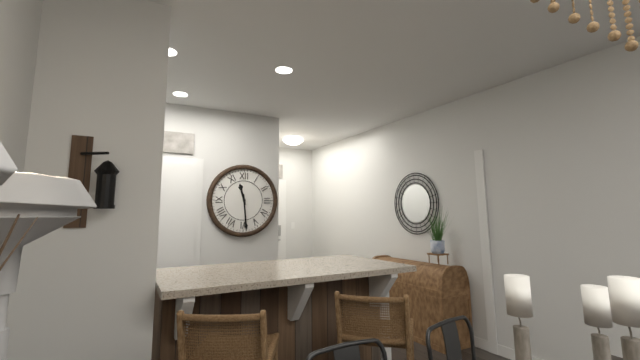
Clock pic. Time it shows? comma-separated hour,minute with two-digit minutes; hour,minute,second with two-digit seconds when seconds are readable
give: 11,29
